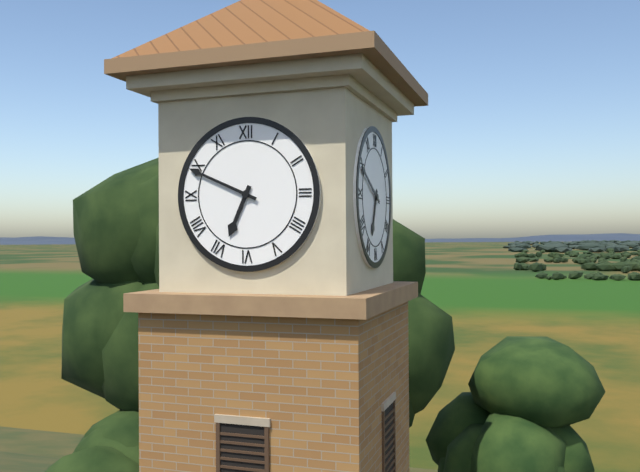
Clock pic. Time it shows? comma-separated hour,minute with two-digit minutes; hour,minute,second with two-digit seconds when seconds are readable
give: 6,49
